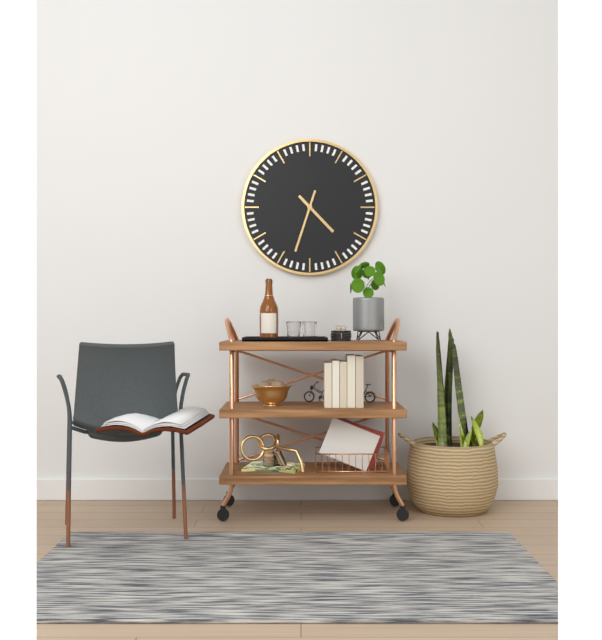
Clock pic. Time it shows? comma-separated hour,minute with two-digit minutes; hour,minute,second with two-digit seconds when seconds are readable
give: 4,33
